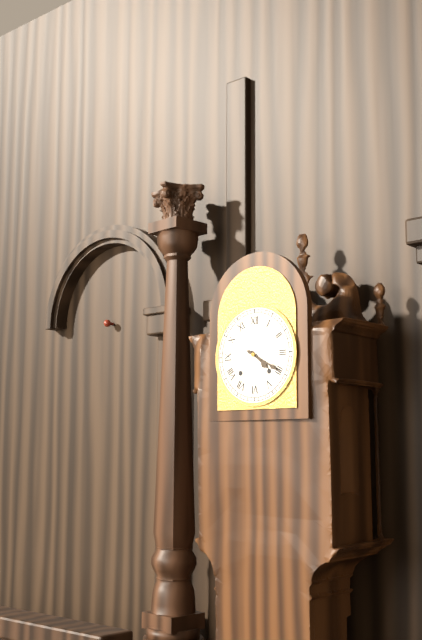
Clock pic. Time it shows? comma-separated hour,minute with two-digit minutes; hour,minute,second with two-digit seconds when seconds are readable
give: 4,20
